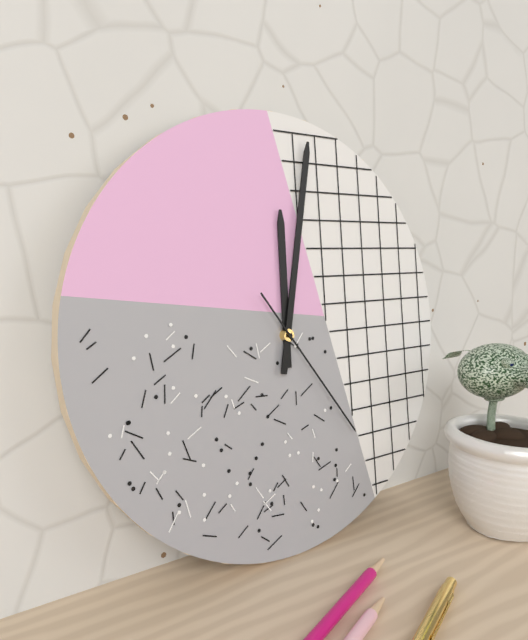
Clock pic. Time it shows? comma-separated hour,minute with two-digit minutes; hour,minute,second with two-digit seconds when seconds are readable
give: 12,02,24
